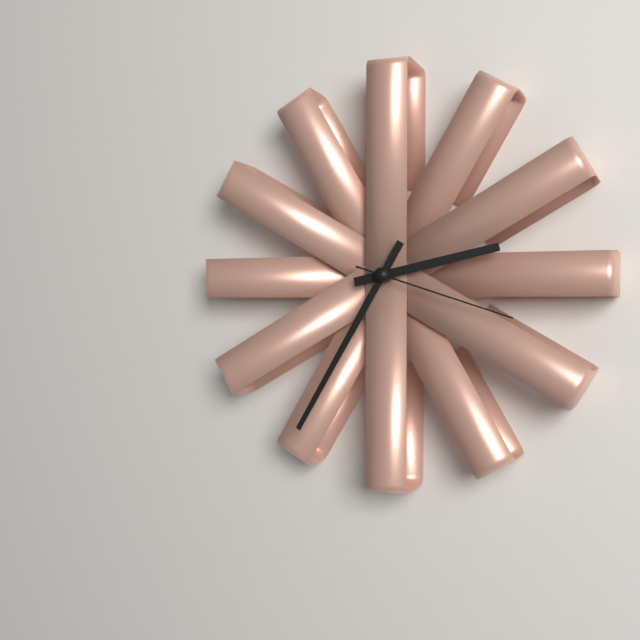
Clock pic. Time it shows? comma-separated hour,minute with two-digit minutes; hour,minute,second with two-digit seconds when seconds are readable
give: 2,35,18
